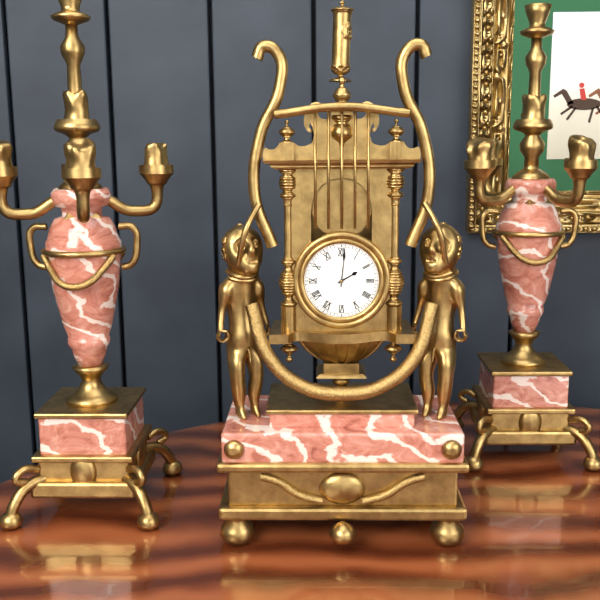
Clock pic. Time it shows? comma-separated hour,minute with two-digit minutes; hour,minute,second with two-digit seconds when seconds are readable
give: 2,01
